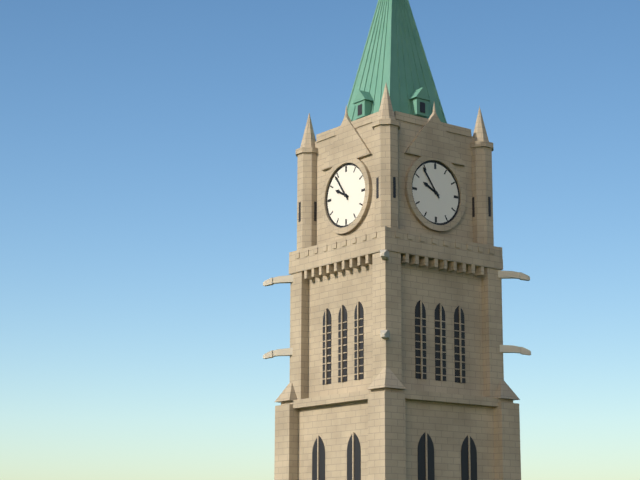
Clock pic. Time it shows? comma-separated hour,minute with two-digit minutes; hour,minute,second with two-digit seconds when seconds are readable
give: 9,54
